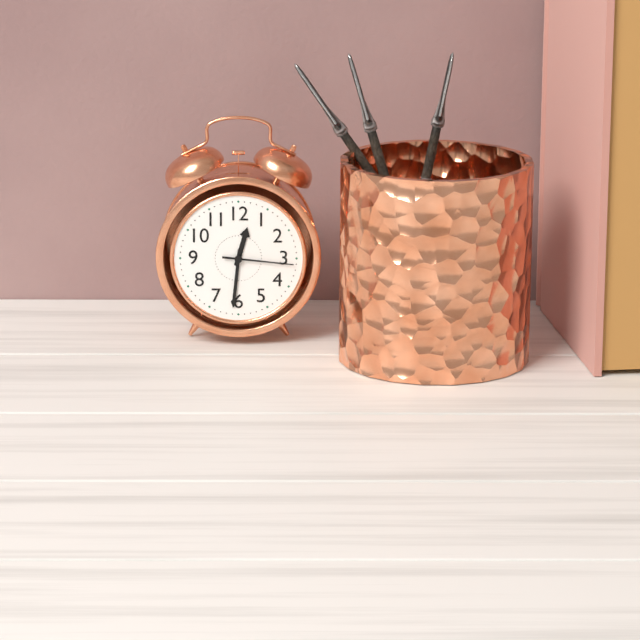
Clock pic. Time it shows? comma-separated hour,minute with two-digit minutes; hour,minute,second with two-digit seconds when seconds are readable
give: 12,31,16
